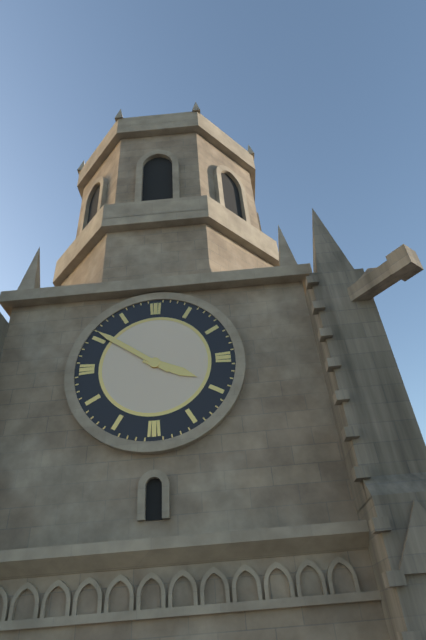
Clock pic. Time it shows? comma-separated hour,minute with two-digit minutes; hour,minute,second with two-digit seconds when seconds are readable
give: 3,51
